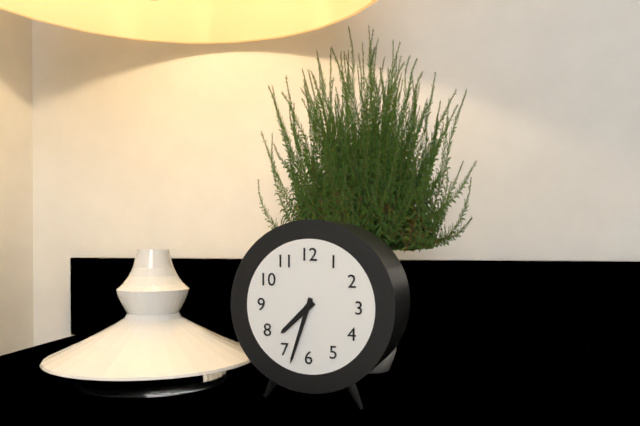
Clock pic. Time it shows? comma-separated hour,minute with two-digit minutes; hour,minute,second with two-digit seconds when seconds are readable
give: 7,33
